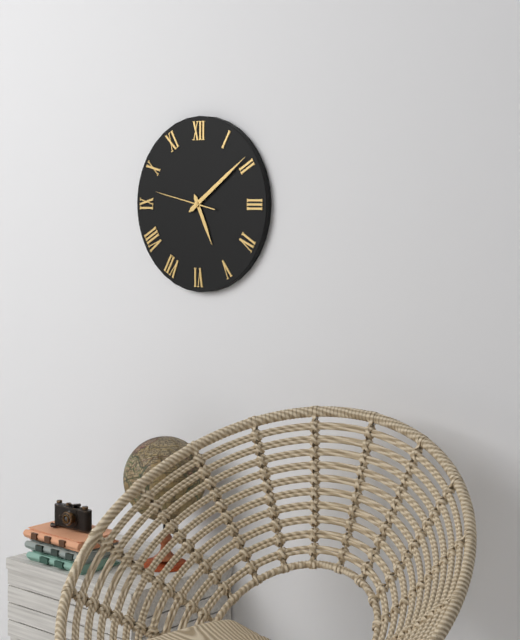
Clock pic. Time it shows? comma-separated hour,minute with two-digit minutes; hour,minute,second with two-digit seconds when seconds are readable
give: 5,09,47
